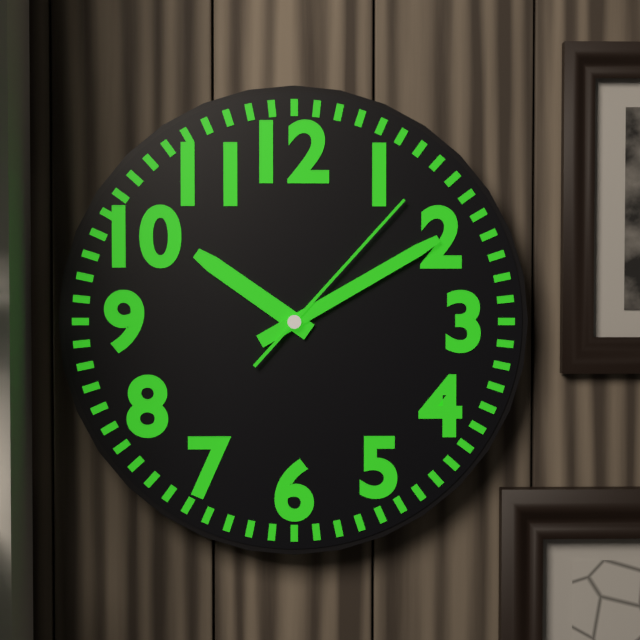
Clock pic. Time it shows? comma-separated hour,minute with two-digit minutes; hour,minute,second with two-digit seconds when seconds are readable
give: 10,10,07
